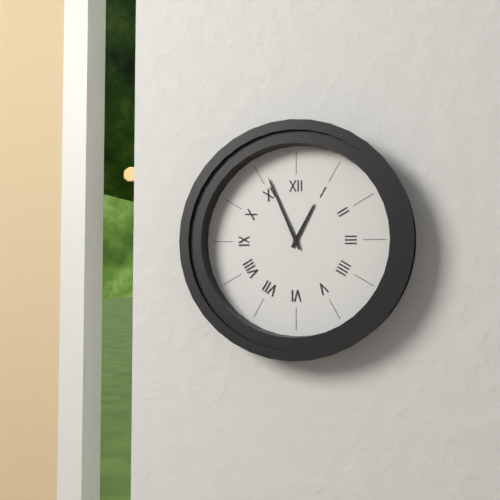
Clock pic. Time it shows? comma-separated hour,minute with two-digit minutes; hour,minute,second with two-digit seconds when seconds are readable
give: 12,56
